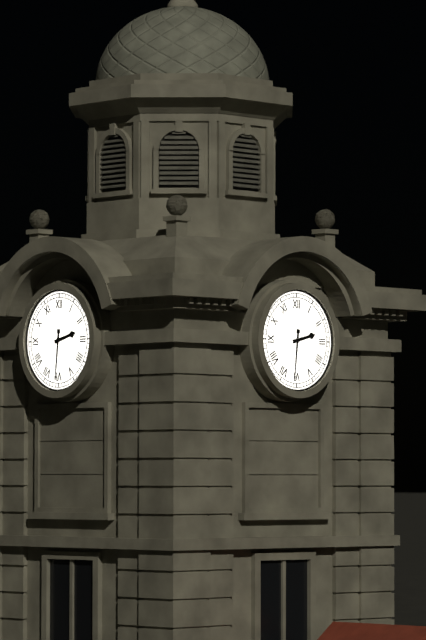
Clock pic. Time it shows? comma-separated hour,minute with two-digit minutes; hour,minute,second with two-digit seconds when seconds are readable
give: 2,31
